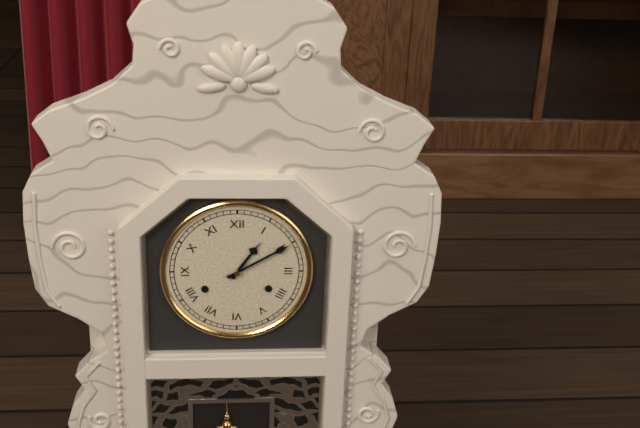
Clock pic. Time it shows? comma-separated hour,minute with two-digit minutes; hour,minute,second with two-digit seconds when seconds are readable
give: 1,10
